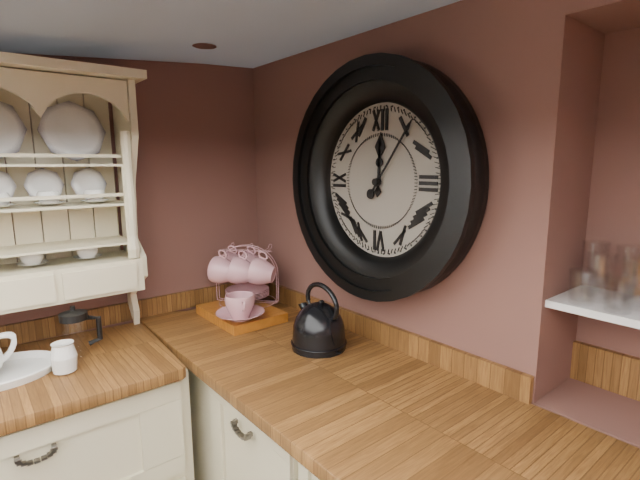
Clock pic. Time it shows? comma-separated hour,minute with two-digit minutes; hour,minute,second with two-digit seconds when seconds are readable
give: 12,06
